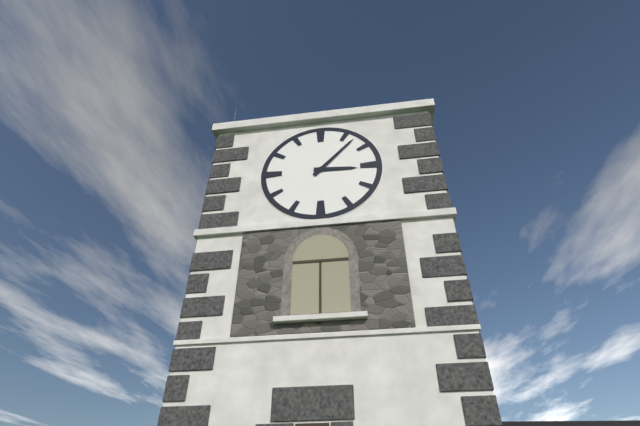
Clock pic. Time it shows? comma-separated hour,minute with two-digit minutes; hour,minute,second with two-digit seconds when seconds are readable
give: 3,07
